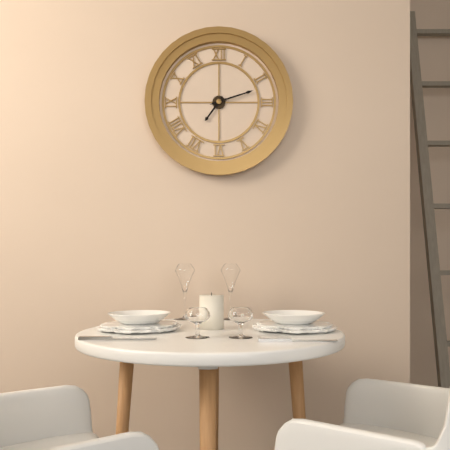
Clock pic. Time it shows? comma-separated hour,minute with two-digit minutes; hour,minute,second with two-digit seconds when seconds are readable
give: 7,12
